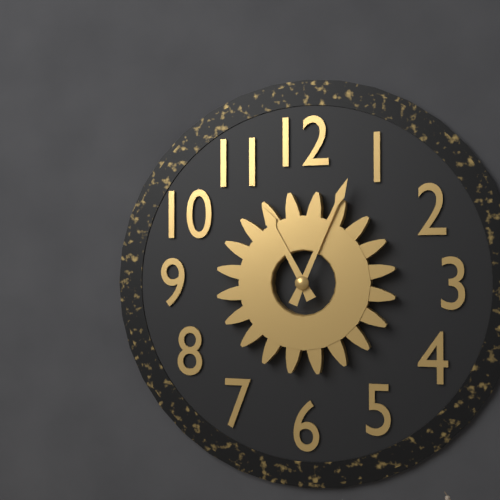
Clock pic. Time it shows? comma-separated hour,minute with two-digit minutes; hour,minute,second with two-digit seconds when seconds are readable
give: 11,04
